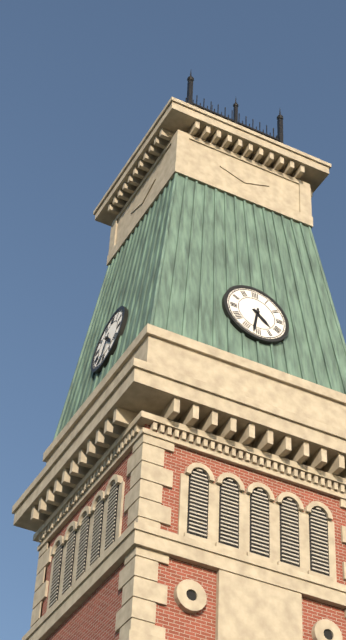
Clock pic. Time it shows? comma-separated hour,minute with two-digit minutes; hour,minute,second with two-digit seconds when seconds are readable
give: 4,32
